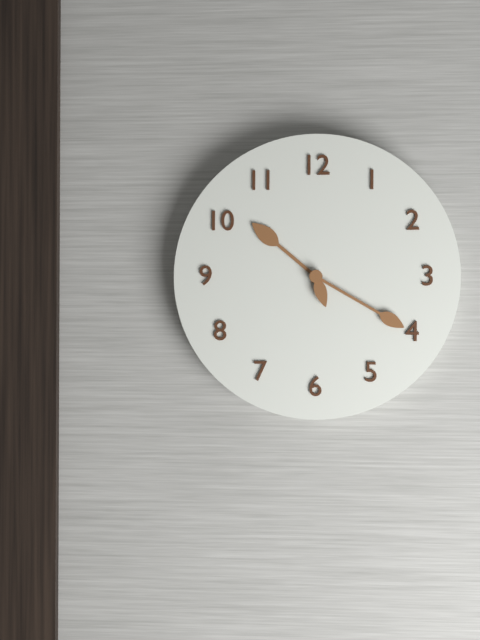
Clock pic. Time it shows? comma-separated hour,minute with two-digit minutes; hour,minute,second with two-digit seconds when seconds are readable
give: 10,20
